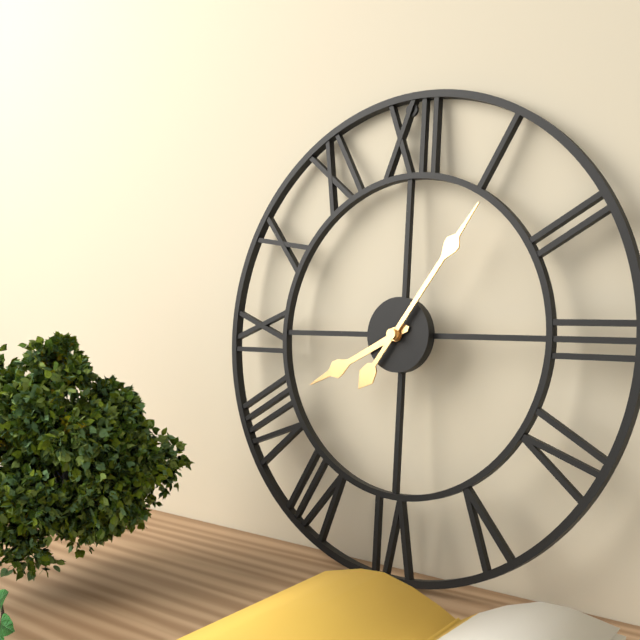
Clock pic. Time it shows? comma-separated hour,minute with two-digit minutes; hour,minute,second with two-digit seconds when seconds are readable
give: 8,06
